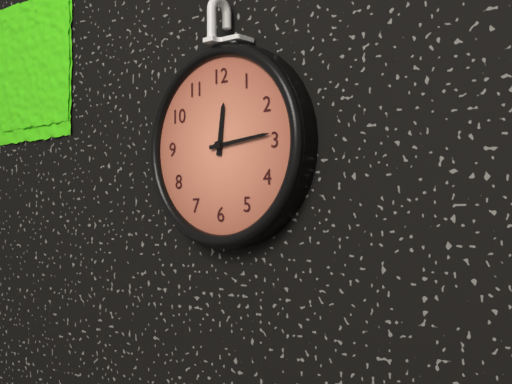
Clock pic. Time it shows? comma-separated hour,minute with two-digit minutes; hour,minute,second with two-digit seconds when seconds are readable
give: 12,14
